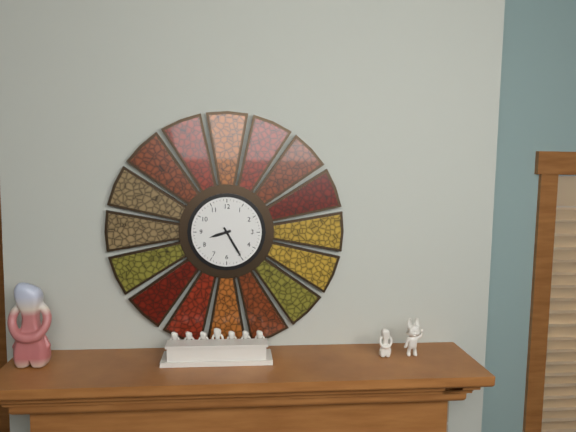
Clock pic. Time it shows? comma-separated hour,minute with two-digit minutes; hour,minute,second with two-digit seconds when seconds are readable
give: 8,25
